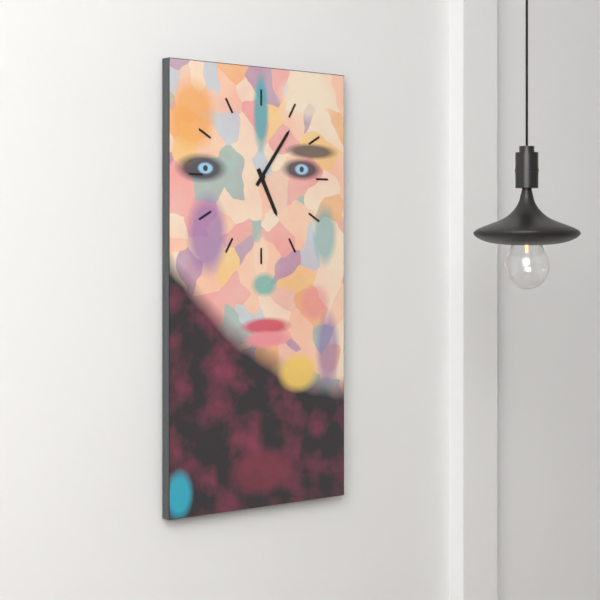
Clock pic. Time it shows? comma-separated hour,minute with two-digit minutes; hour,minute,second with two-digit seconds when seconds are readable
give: 5,06
